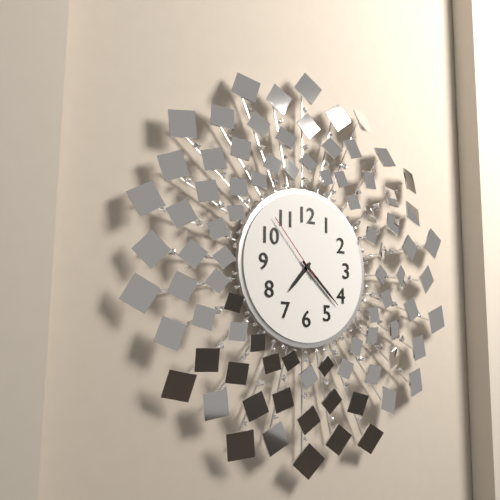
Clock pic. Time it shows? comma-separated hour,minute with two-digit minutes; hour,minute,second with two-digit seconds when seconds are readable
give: 7,22,53
